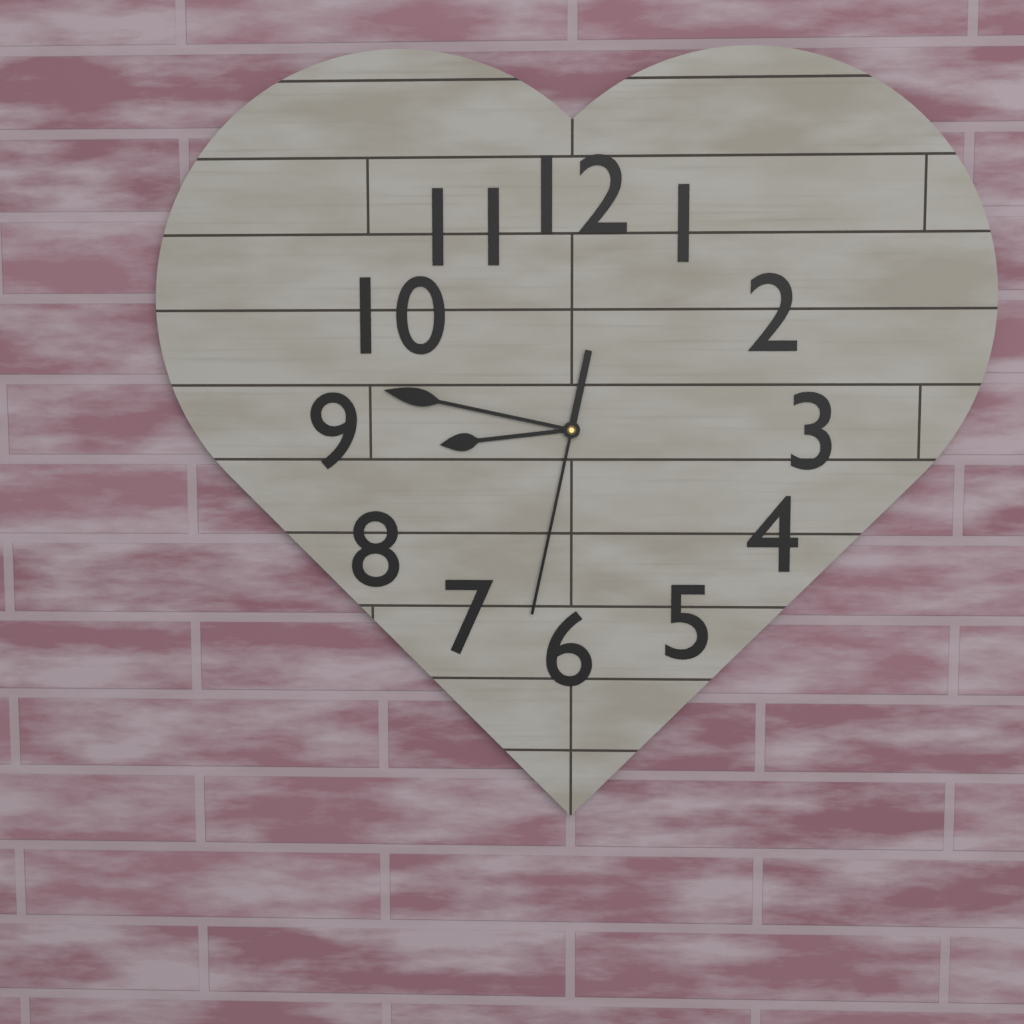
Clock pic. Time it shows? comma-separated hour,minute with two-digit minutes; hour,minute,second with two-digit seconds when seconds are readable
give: 8,47,32
